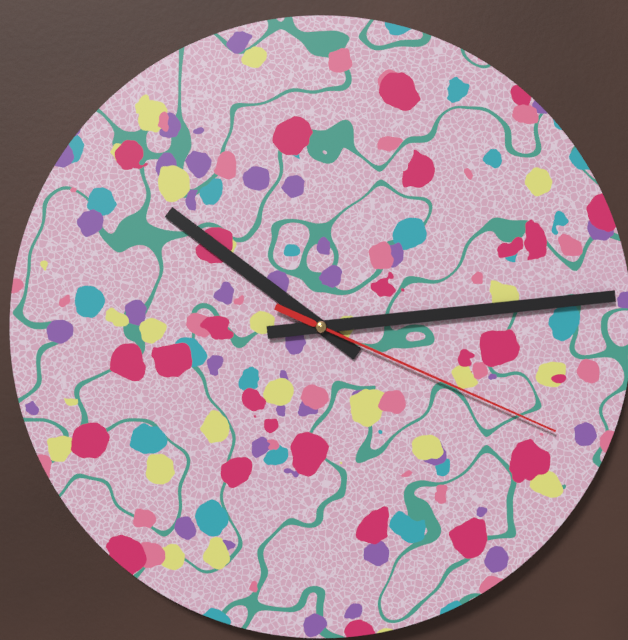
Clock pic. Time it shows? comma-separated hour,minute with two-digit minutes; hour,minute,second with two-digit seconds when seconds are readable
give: 10,14,19
